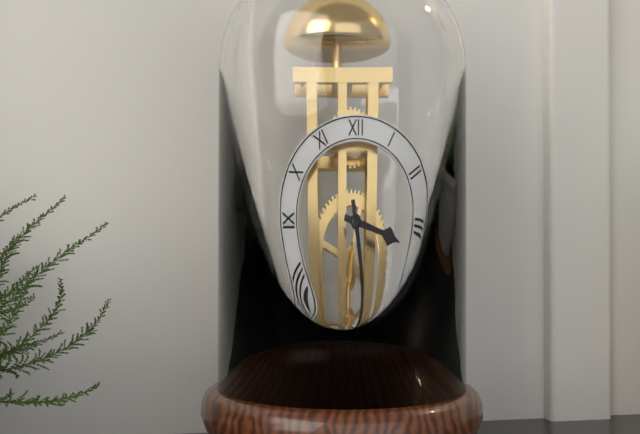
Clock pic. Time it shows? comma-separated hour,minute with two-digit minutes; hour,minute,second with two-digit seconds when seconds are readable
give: 3,28
